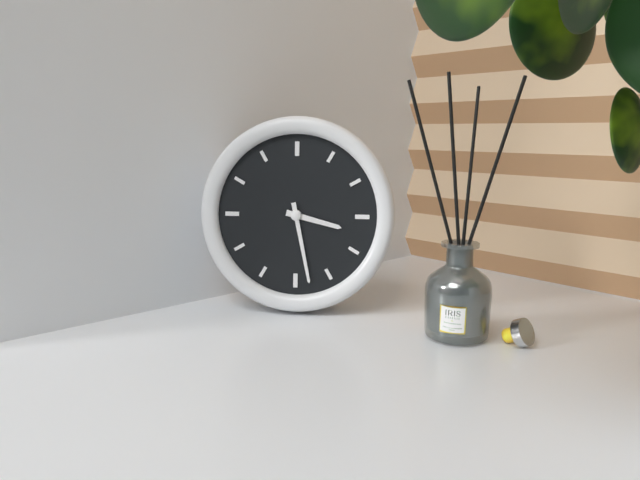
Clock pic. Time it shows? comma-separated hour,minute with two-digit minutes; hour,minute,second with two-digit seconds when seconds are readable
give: 3,28
